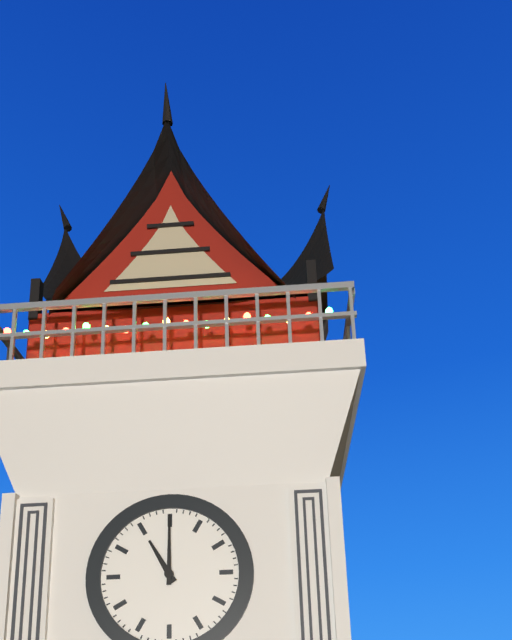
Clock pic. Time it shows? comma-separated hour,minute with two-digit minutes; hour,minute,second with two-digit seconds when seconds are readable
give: 11,00
